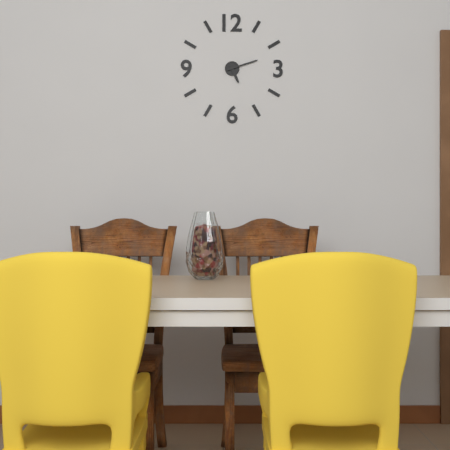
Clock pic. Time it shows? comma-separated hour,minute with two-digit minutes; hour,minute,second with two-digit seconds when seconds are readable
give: 5,12
